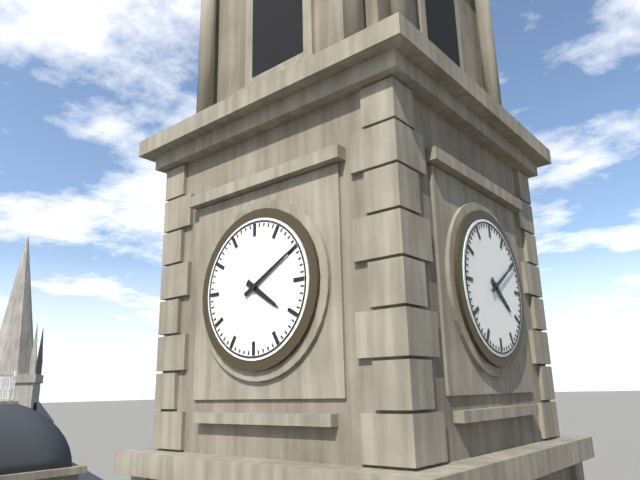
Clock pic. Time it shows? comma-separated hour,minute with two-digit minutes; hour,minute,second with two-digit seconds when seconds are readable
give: 4,10
